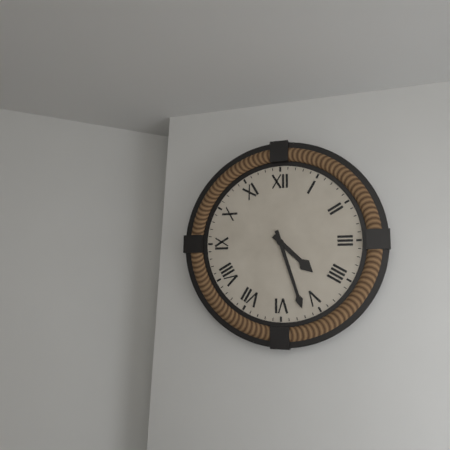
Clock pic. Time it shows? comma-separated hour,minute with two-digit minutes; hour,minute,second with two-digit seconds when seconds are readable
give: 4,27
